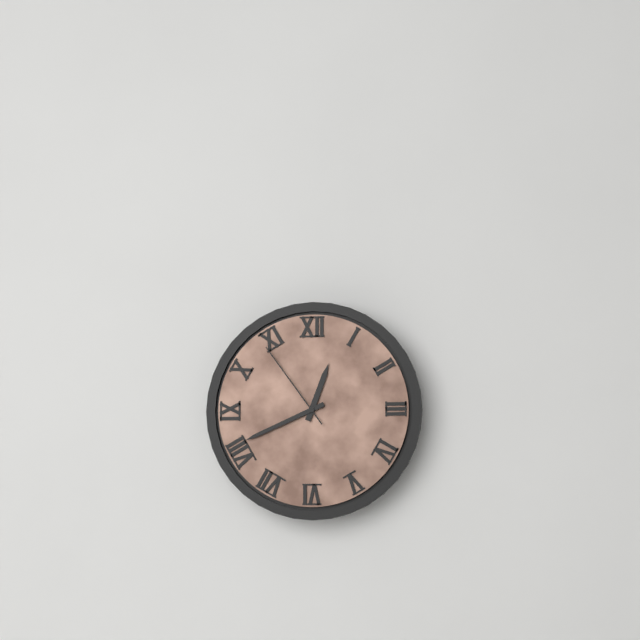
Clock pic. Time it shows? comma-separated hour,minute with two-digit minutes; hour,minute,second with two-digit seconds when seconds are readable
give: 12,41,54
